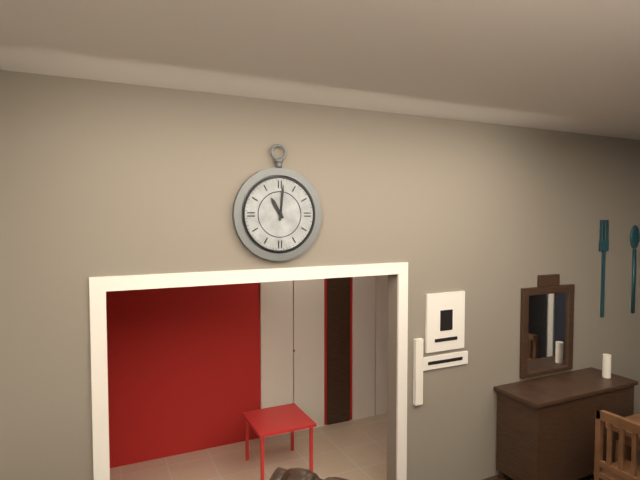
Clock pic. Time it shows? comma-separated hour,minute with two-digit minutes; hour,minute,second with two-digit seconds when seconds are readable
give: 11,01
